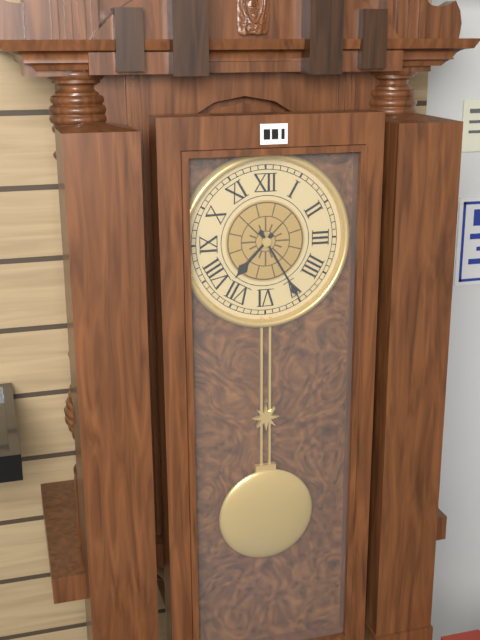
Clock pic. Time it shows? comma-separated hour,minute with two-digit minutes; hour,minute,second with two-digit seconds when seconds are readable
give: 7,25
